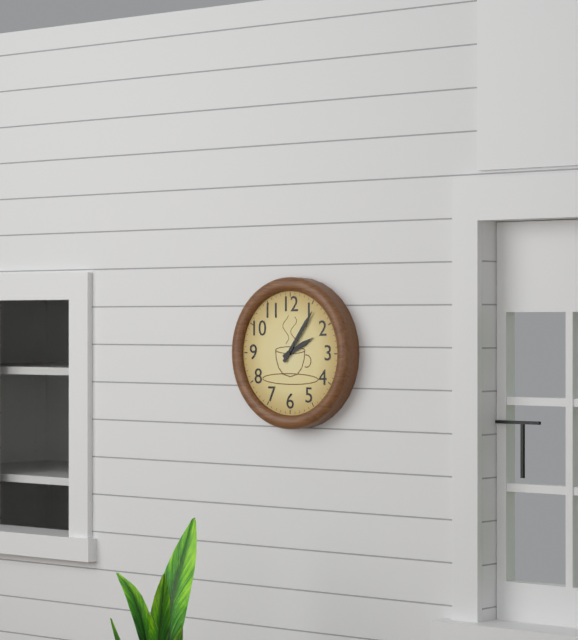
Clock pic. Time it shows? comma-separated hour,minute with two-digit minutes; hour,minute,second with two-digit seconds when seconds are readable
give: 2,06
